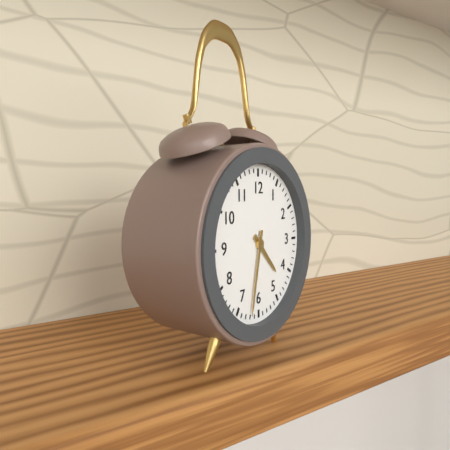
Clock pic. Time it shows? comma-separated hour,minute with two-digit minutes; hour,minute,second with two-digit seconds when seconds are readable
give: 4,32
